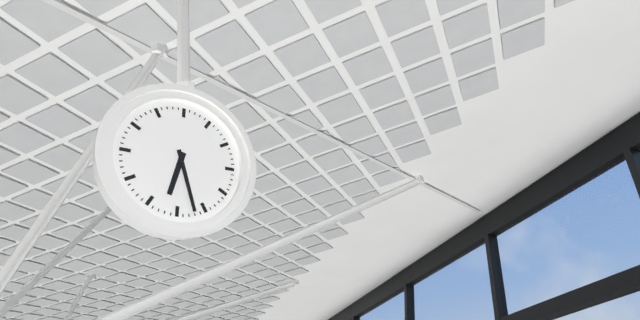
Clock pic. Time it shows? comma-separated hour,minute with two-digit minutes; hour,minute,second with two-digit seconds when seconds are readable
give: 6,27
